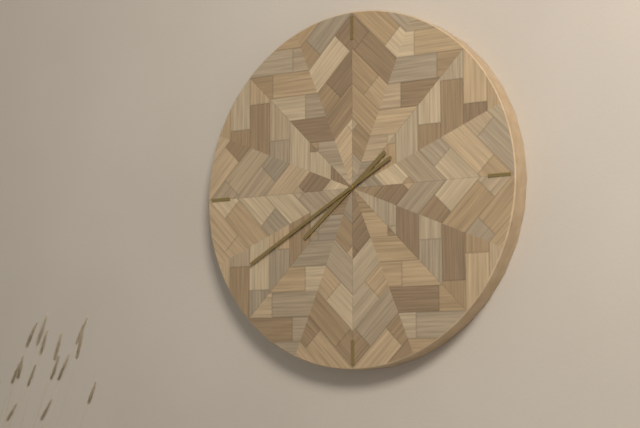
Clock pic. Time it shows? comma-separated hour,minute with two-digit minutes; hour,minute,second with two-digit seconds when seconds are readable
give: 7,40
